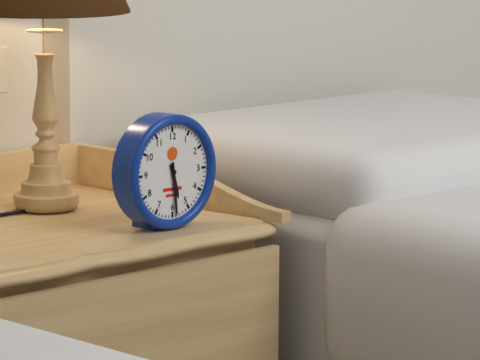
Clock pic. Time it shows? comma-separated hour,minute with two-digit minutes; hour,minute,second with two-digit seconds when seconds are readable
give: 5,29
